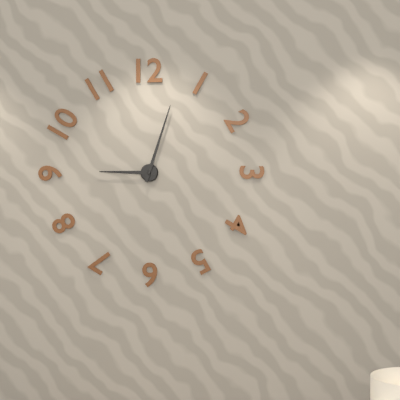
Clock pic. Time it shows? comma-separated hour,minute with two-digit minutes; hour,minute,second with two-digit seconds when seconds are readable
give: 9,03
